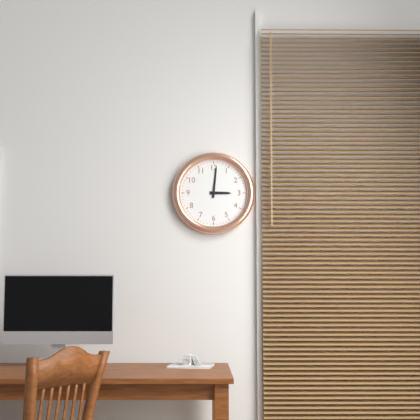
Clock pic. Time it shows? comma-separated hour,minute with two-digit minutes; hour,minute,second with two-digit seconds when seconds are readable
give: 3,01
